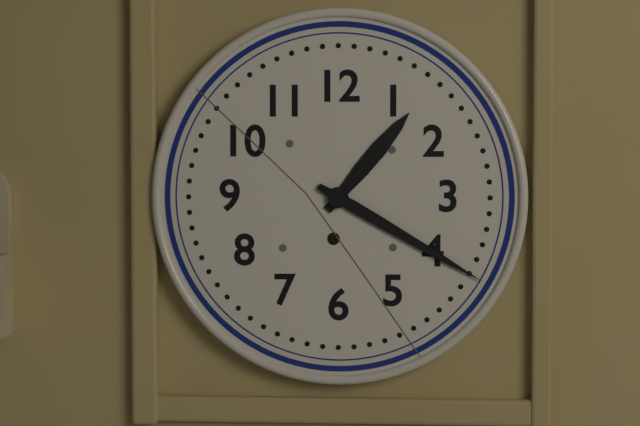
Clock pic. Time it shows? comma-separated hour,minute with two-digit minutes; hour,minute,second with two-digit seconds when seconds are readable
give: 1,20
